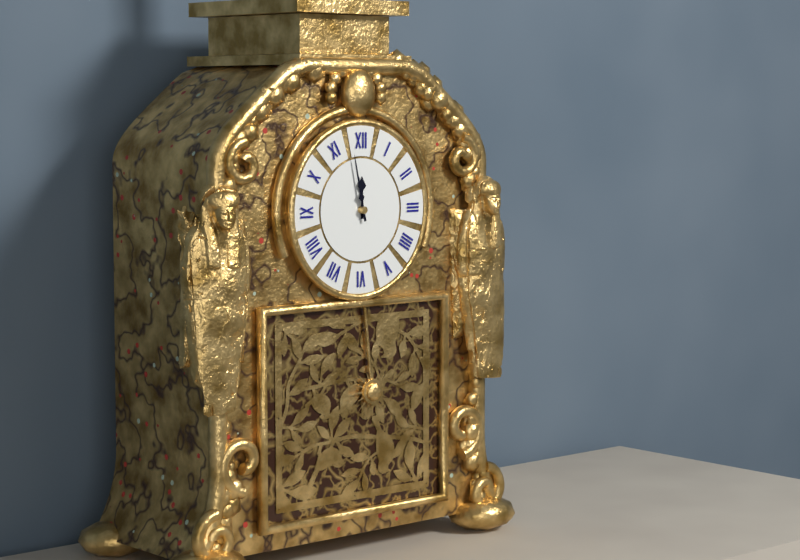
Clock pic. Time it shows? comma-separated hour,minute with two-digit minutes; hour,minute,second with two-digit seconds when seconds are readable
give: 11,58
